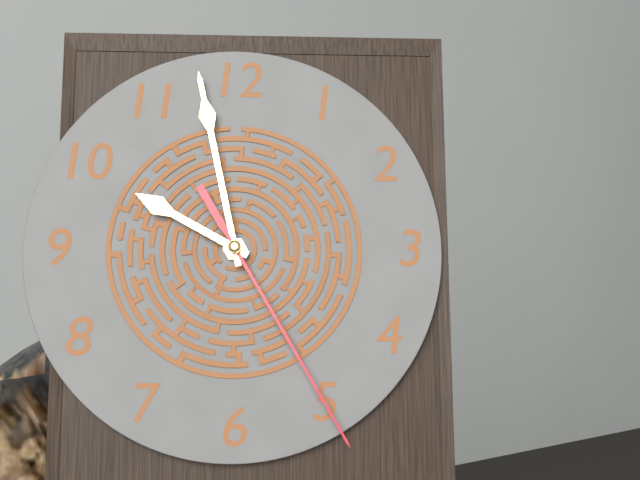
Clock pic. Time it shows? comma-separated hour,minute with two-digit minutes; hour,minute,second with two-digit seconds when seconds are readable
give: 9,58,25
